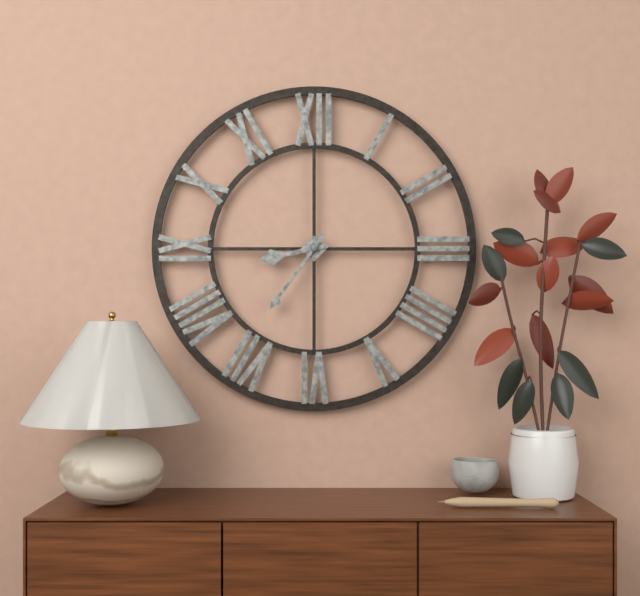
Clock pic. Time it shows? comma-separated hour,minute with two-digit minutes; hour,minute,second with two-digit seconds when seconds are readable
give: 8,36
